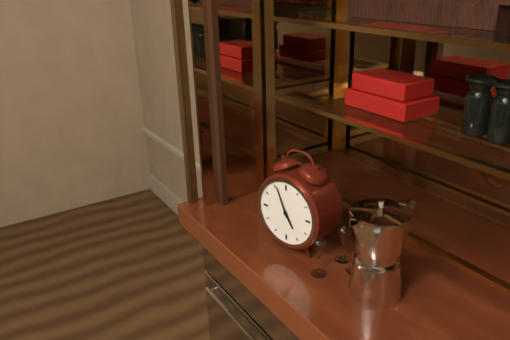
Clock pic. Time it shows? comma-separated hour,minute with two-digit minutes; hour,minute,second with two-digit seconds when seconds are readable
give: 4,56
